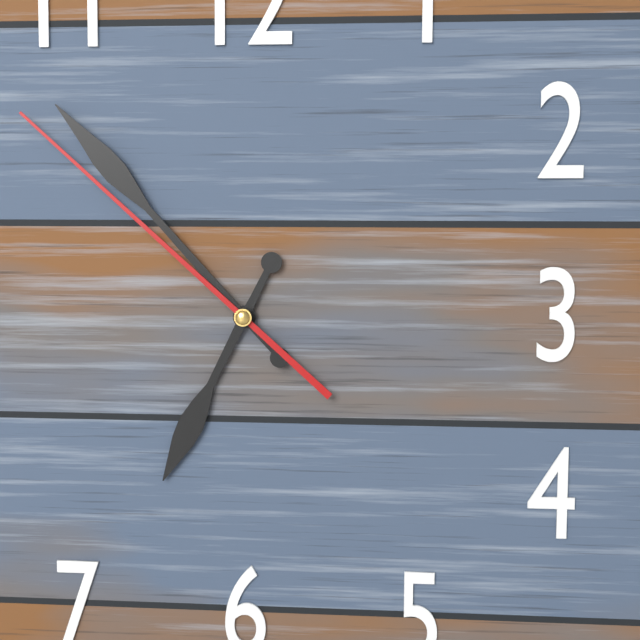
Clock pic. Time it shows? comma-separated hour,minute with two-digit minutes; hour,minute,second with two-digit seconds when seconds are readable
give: 6,53,52
